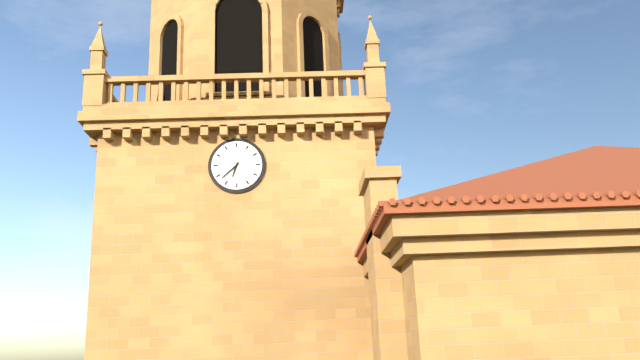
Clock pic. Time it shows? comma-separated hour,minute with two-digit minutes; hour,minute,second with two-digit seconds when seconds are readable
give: 6,38
